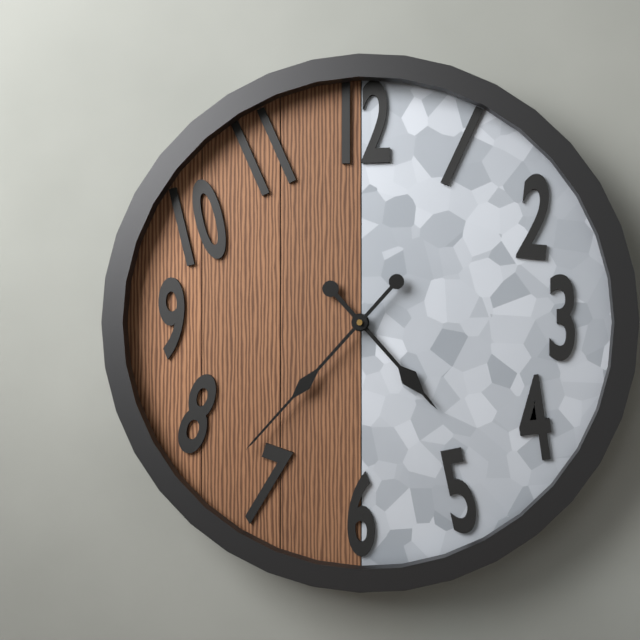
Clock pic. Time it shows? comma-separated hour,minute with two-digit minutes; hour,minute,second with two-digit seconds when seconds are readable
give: 4,37
